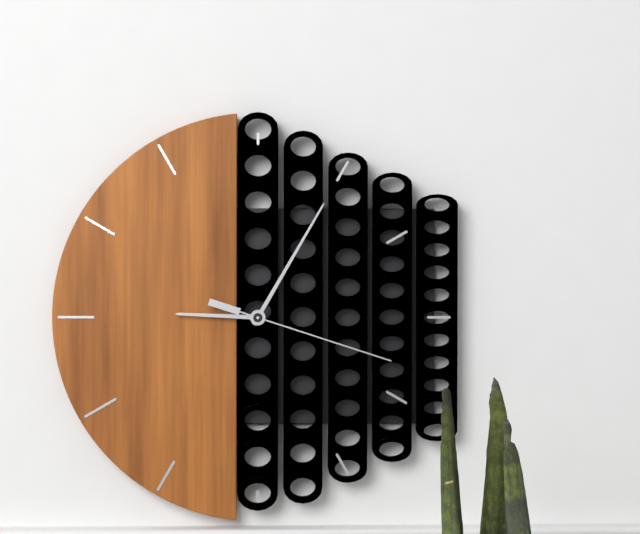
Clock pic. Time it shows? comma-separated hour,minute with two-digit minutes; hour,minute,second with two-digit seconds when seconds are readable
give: 9,05,18
